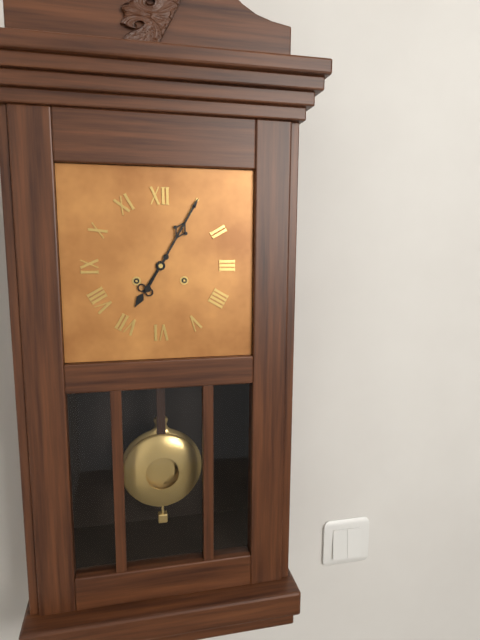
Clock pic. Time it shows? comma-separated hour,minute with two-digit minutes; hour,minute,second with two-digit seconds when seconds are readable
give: 7,05
